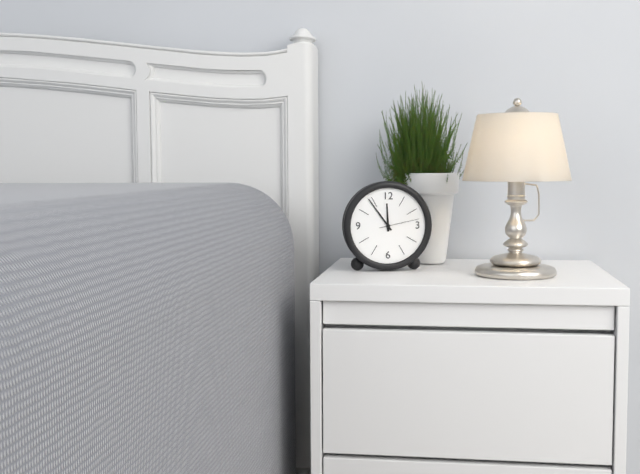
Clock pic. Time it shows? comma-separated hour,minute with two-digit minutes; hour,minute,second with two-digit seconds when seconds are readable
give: 11,54
